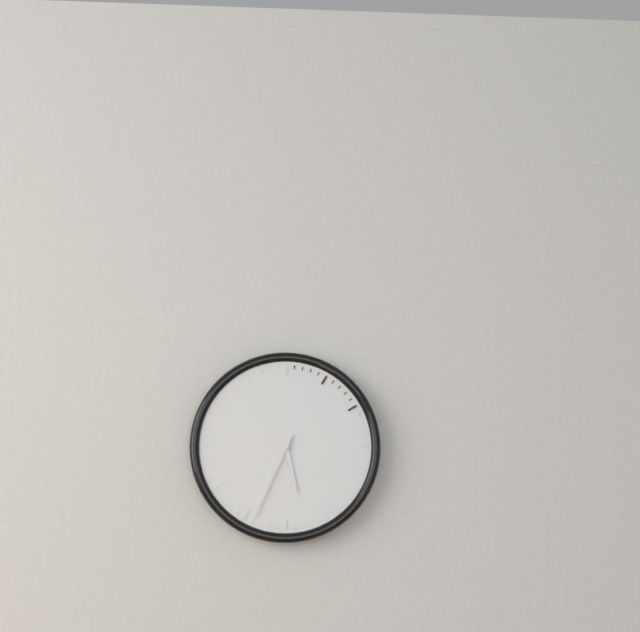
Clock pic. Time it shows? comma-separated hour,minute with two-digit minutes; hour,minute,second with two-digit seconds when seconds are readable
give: 5,34
